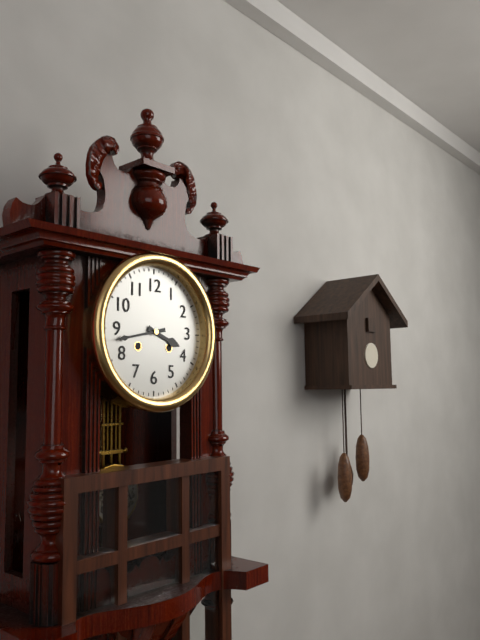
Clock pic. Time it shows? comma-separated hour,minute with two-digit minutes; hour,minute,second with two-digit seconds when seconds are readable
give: 3,43
